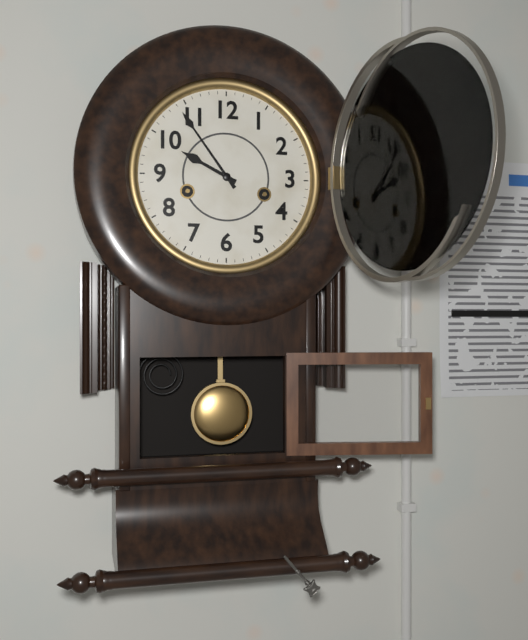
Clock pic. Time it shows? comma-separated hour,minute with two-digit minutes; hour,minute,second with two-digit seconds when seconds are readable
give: 9,54
